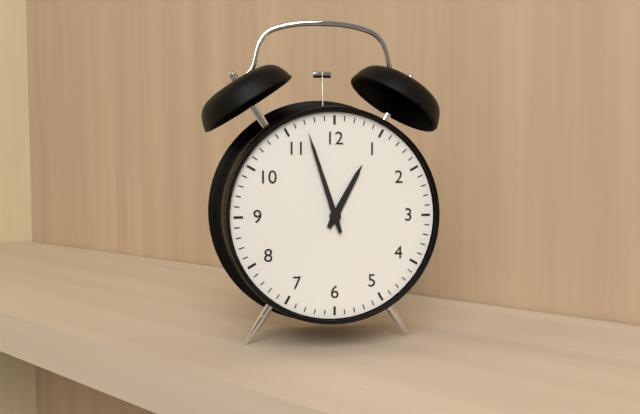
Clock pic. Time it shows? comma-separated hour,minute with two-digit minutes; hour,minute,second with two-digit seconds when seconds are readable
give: 12,57
